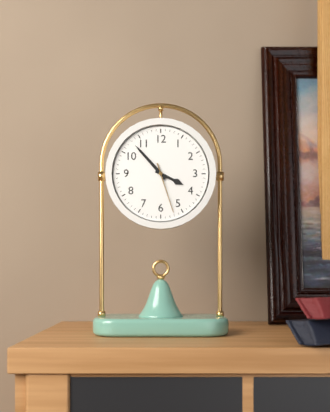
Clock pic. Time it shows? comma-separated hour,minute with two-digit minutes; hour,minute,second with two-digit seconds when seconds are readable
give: 3,53,27
